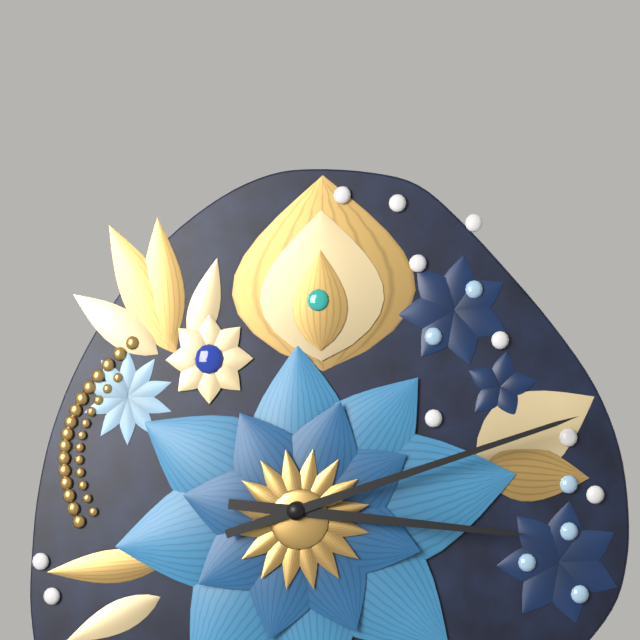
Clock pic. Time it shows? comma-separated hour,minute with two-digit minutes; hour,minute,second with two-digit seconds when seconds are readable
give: 3,12
